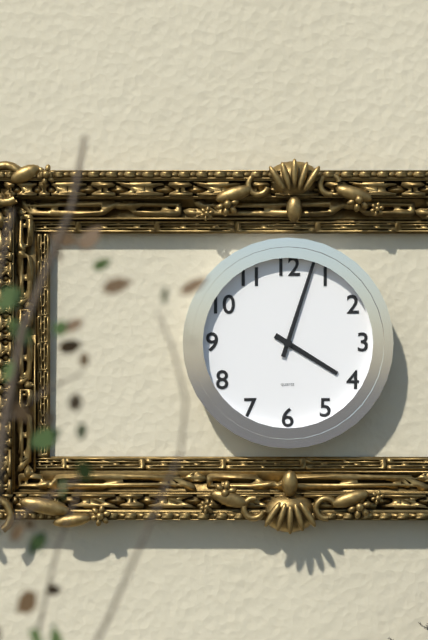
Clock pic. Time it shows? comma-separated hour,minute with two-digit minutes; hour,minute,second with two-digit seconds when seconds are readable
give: 4,03
